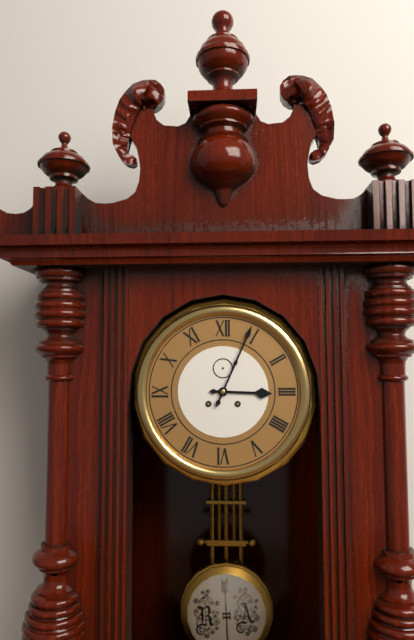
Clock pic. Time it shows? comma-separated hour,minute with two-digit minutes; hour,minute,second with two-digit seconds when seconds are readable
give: 3,04
